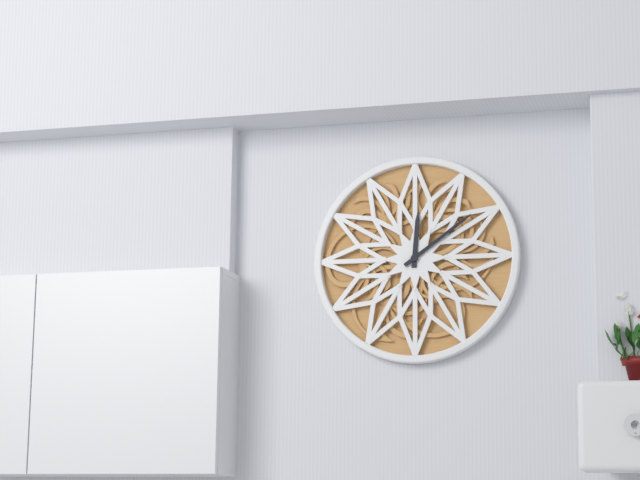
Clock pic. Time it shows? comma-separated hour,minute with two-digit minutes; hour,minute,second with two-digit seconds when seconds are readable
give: 12,09
